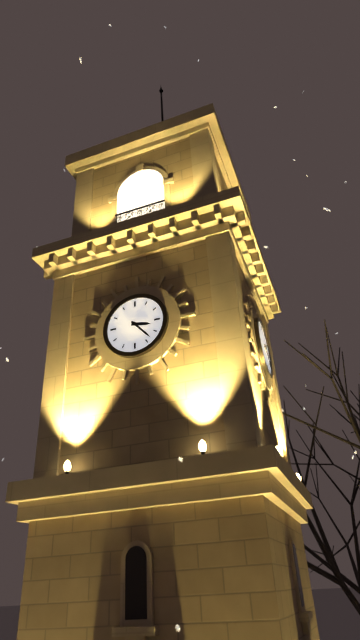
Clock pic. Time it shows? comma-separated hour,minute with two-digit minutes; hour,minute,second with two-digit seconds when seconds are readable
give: 3,23
